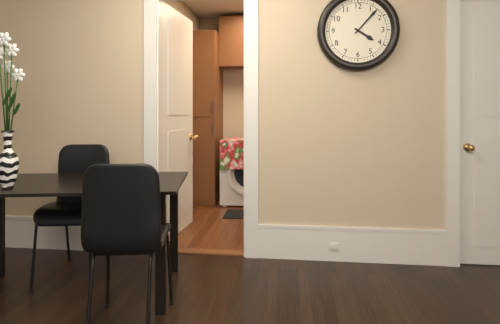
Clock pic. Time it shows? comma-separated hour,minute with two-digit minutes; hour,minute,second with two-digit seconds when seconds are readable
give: 4,07
